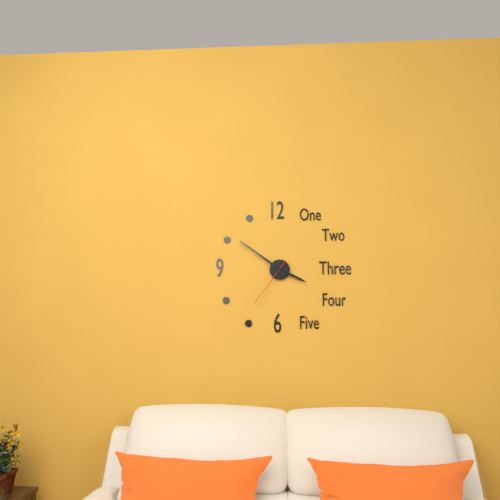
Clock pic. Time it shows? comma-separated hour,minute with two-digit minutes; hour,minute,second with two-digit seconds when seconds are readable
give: 3,51,36
